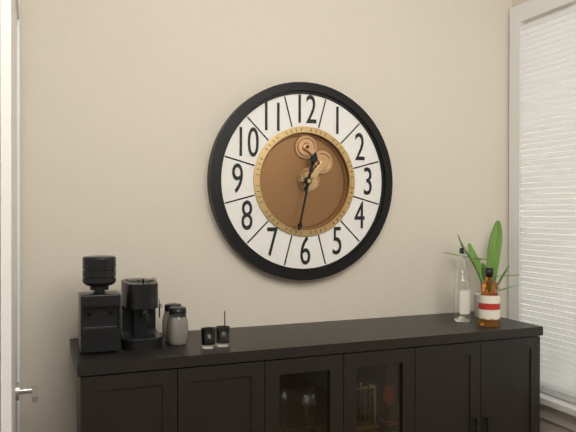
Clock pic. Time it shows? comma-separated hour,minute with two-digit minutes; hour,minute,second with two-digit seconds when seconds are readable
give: 12,32
